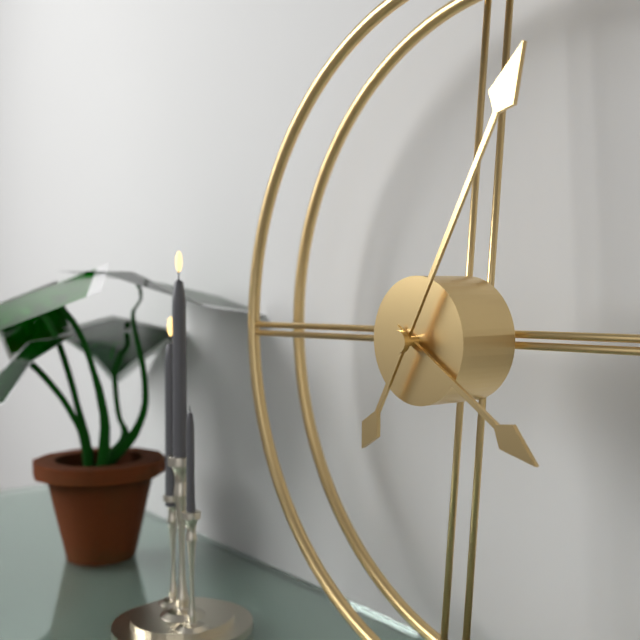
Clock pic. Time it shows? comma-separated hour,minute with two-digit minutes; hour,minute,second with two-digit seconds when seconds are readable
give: 4,05
